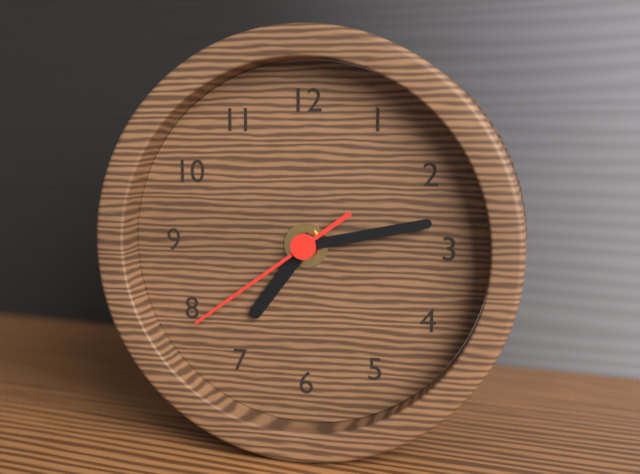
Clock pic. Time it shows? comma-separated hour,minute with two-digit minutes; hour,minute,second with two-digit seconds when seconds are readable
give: 7,13,39
